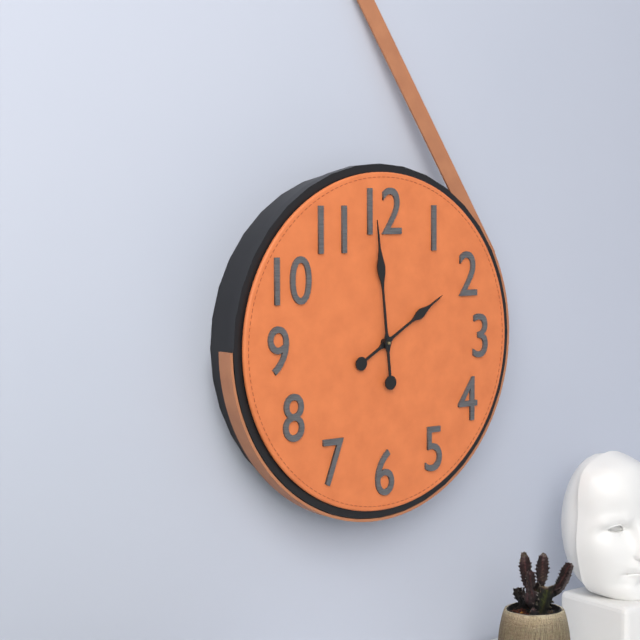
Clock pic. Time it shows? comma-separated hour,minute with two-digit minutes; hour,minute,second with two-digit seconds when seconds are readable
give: 1,59
